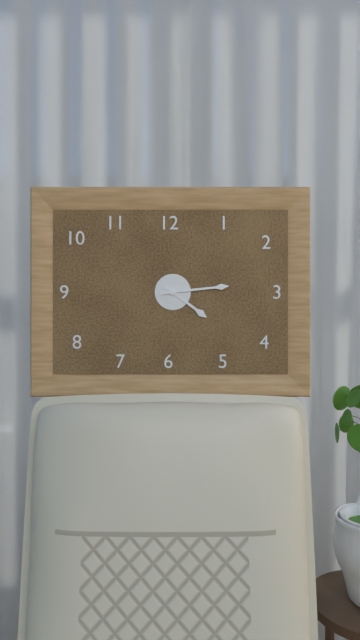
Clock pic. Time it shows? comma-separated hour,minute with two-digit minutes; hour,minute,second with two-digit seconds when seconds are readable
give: 4,14
